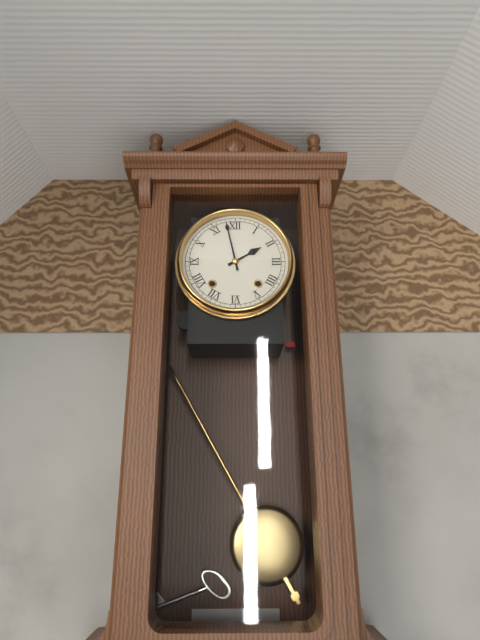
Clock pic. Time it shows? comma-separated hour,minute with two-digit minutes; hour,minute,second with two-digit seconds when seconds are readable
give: 1,58
